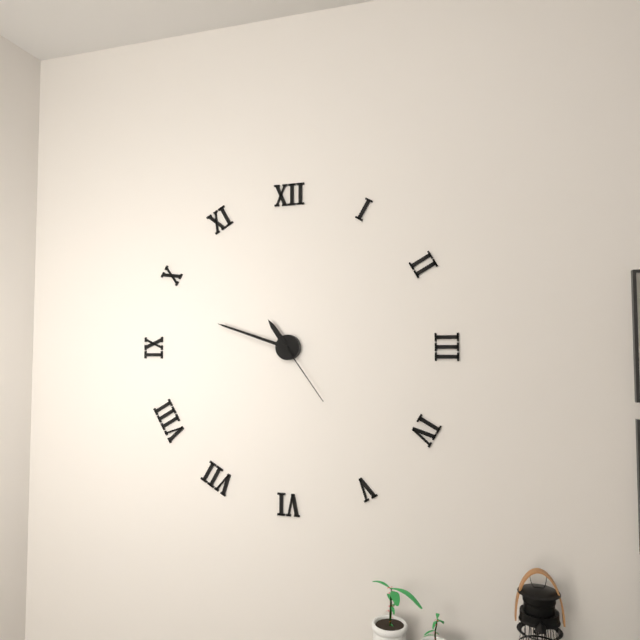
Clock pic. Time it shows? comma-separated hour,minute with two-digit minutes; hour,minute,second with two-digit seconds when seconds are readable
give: 10,48,24
